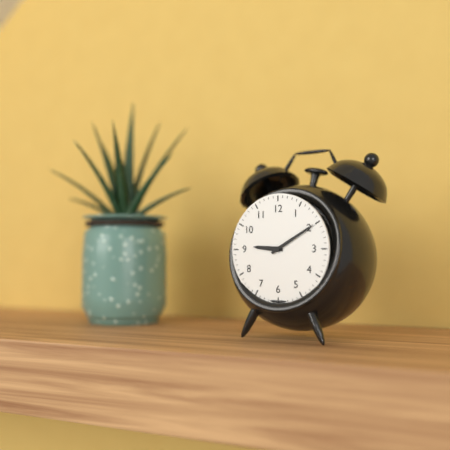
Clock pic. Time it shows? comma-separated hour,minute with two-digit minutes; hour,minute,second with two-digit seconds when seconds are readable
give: 9,10
